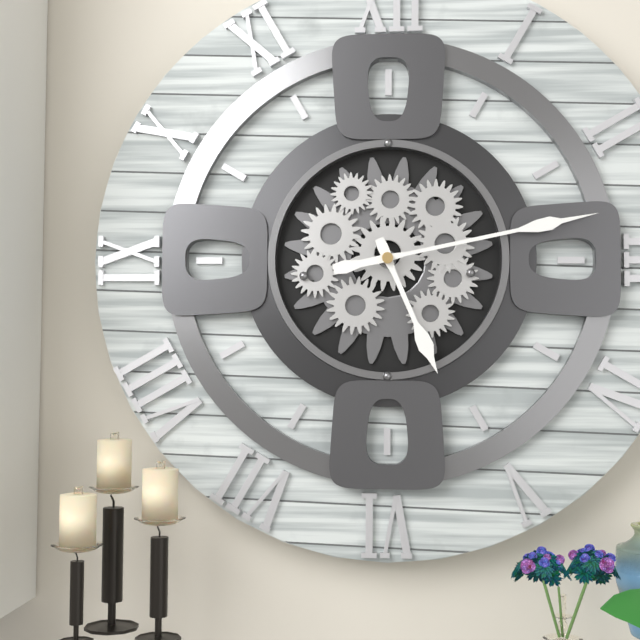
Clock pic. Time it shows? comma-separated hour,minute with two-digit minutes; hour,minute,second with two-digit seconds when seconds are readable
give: 5,13
